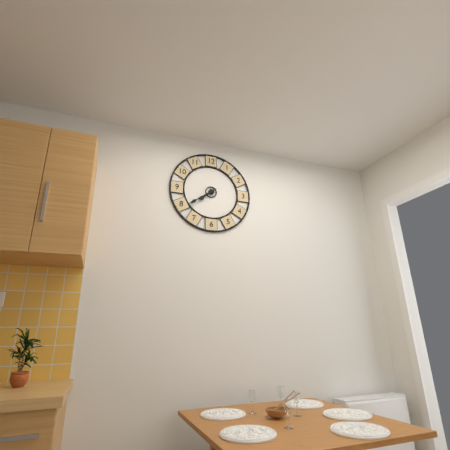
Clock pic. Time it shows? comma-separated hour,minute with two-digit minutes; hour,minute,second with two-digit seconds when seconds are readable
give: 7,39
